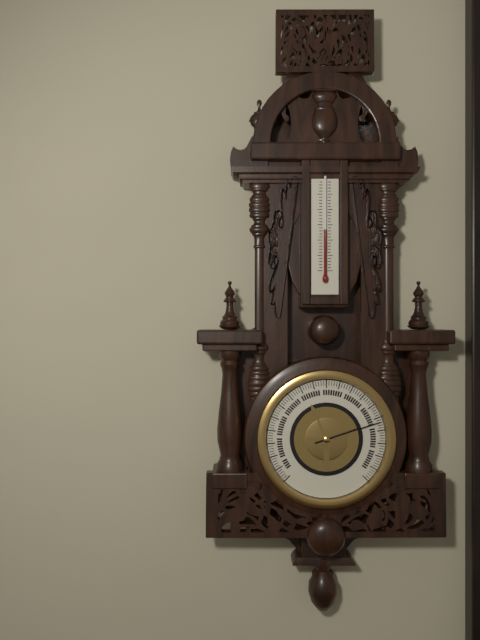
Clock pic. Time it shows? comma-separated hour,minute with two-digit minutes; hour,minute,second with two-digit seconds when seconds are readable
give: 11,12
